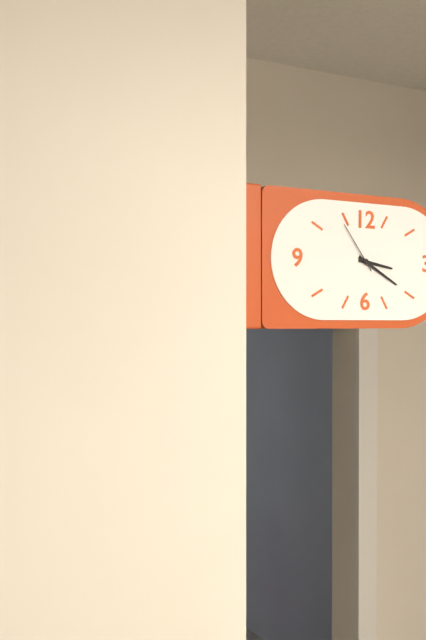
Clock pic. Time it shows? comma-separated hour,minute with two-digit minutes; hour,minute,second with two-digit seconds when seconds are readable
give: 3,20,54
